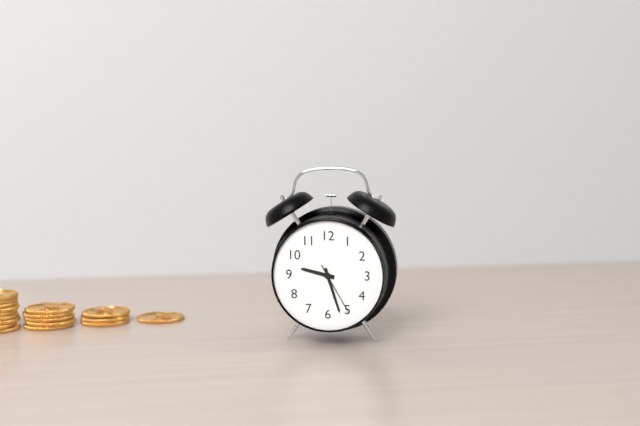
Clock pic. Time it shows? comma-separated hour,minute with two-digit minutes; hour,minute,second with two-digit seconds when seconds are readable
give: 9,27,25
